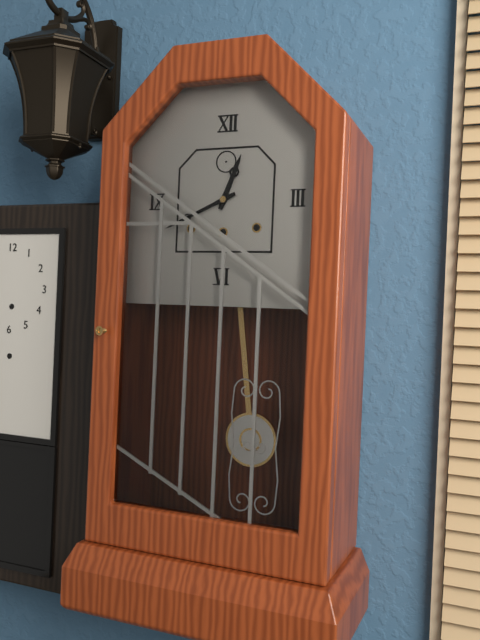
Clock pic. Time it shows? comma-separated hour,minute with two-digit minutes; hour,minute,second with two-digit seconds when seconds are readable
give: 12,41
